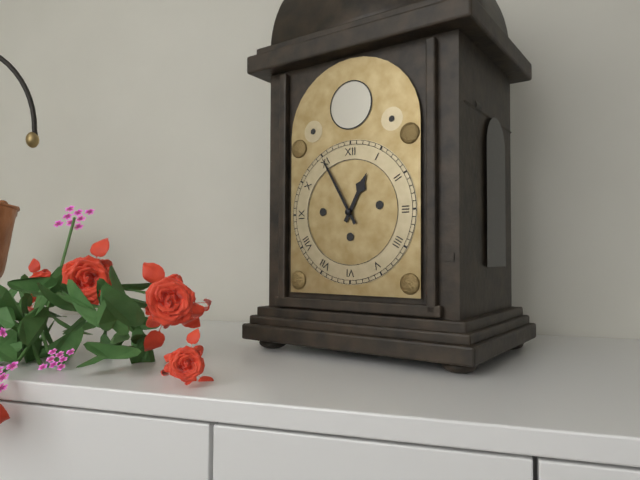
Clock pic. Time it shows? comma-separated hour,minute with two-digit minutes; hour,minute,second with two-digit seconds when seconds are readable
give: 12,55
